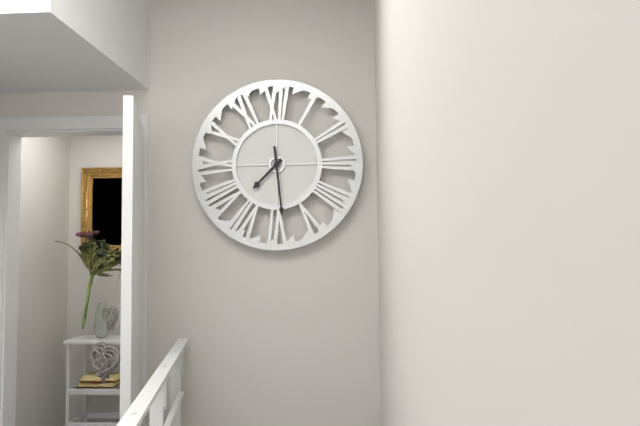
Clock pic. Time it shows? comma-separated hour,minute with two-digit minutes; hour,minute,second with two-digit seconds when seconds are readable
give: 7,29
